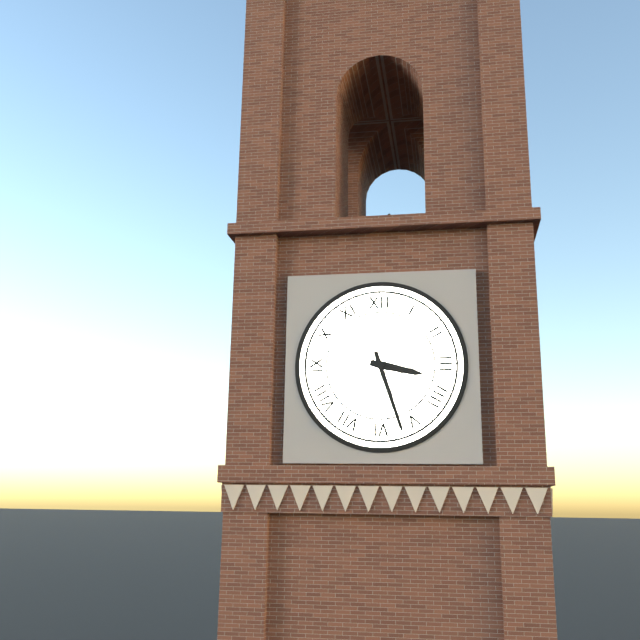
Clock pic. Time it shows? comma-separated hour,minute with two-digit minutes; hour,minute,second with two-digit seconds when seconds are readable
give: 3,27
